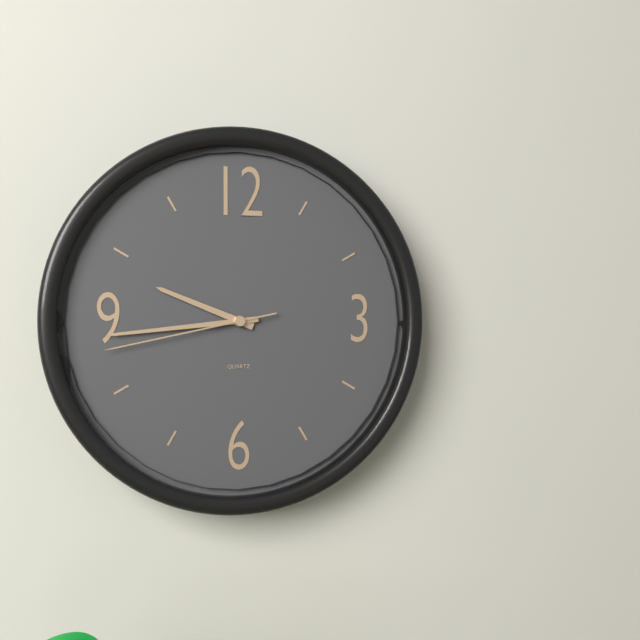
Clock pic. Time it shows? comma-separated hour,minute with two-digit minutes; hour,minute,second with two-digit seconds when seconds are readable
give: 9,44,43
